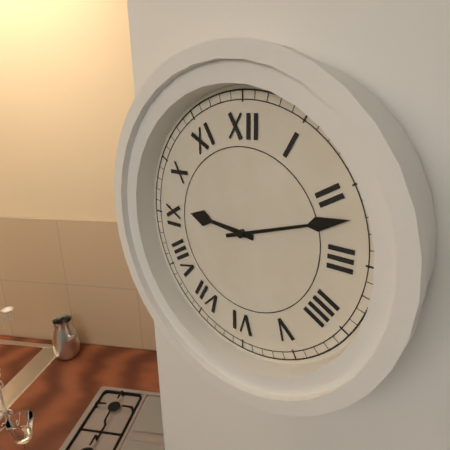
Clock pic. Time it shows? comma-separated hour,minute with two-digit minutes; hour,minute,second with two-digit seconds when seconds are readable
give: 9,12
